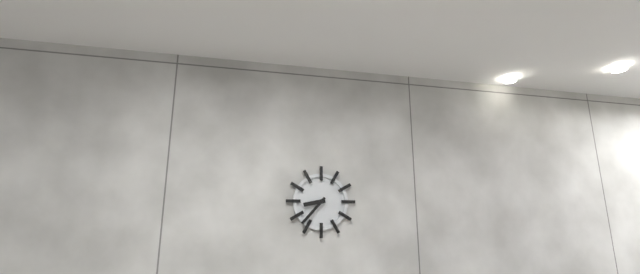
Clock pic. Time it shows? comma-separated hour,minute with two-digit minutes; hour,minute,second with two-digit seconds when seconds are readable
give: 8,37
